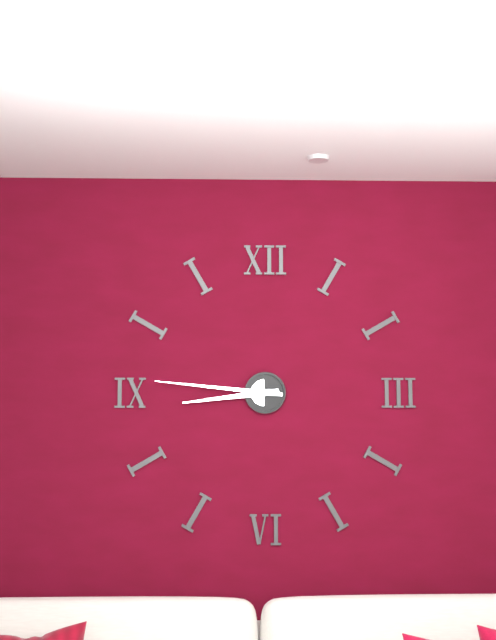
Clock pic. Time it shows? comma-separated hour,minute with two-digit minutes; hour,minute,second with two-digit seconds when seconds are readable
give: 8,46
